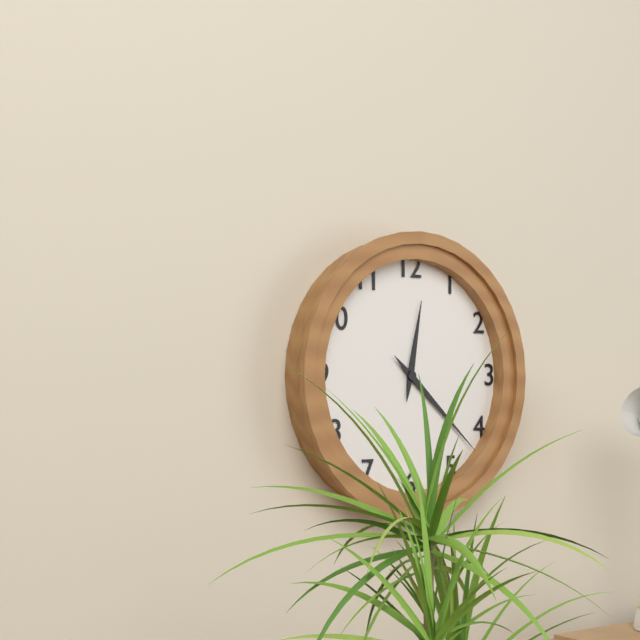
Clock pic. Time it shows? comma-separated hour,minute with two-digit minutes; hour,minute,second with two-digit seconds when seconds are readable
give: 12,22
